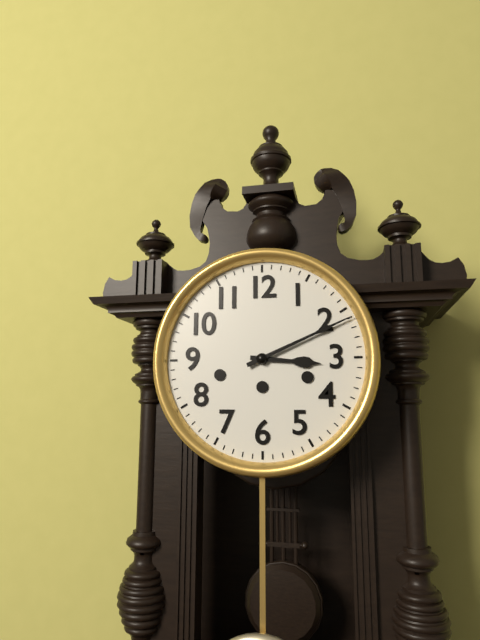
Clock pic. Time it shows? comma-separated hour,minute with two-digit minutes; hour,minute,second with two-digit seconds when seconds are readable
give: 3,11
